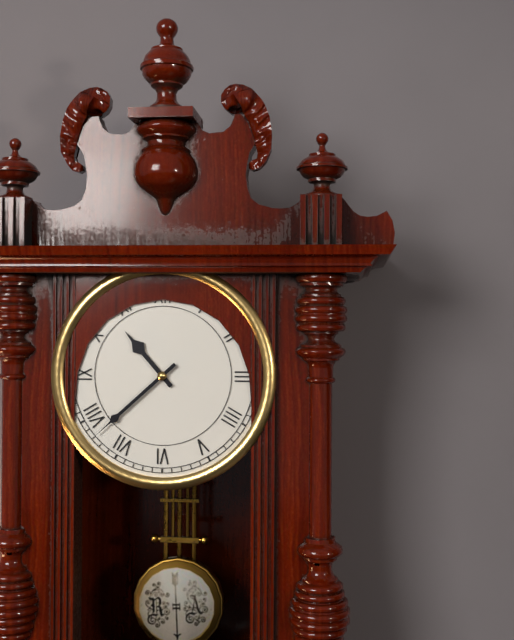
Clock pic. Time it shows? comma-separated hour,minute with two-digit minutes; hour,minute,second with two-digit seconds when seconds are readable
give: 10,38
